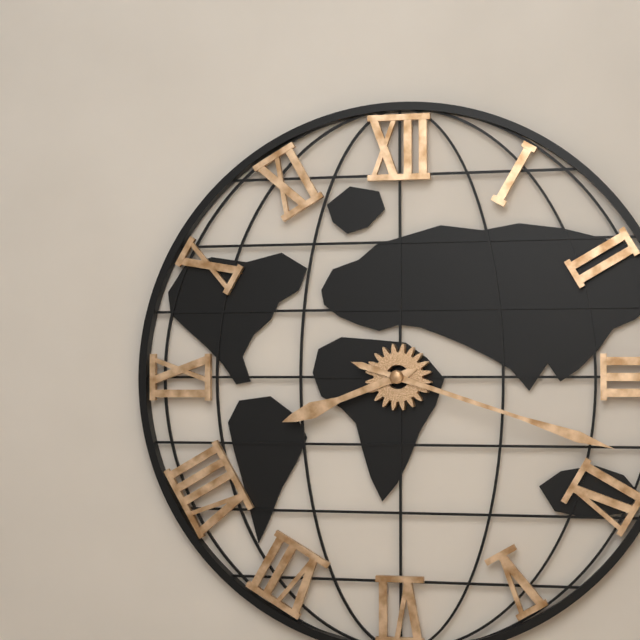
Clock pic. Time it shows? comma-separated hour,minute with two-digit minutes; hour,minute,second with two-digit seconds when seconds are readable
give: 8,18
